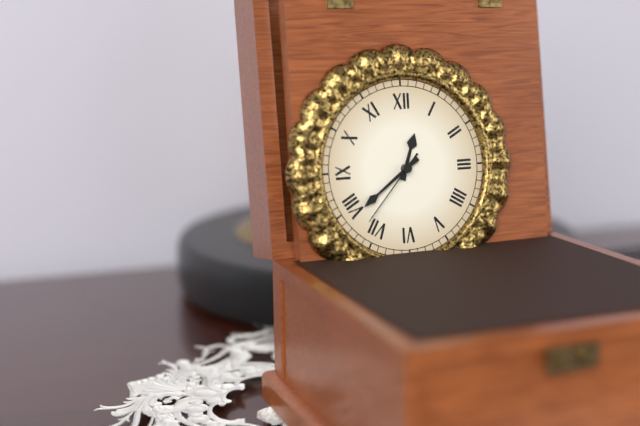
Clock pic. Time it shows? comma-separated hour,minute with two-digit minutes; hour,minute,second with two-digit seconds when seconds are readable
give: 12,39,37
